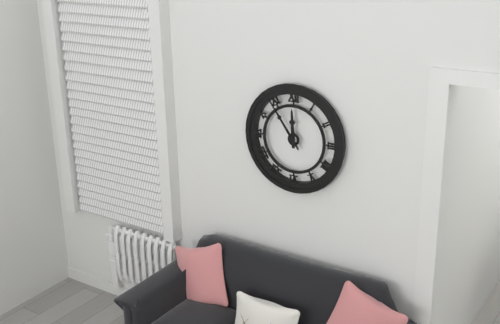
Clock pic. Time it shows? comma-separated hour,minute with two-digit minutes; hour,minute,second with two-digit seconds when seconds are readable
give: 11,54
